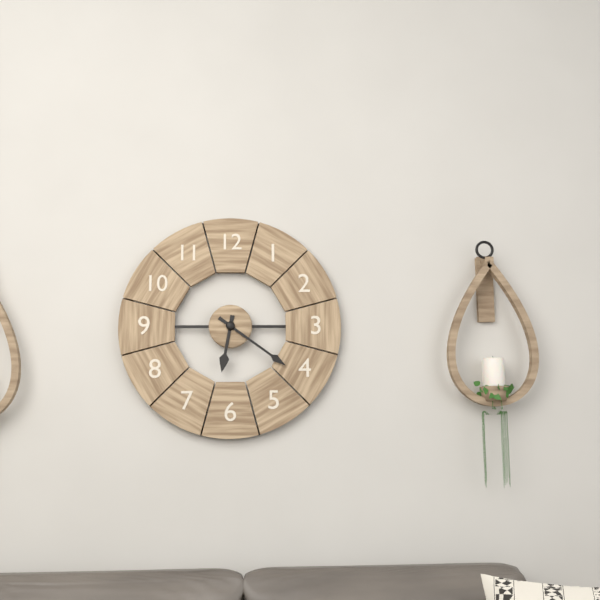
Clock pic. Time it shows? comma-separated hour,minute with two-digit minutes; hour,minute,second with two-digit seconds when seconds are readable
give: 6,21
